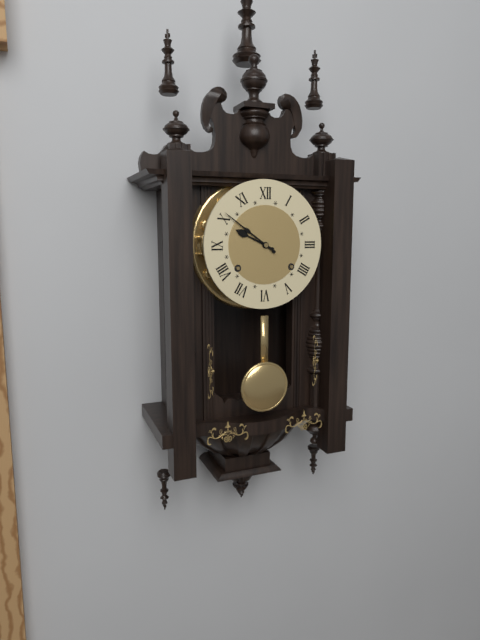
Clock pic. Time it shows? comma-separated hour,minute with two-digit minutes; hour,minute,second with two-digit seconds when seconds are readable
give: 9,51
